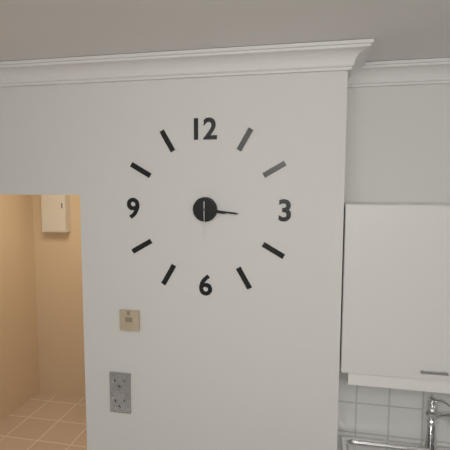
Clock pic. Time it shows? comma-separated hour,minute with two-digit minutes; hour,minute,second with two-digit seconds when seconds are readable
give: 3,16
